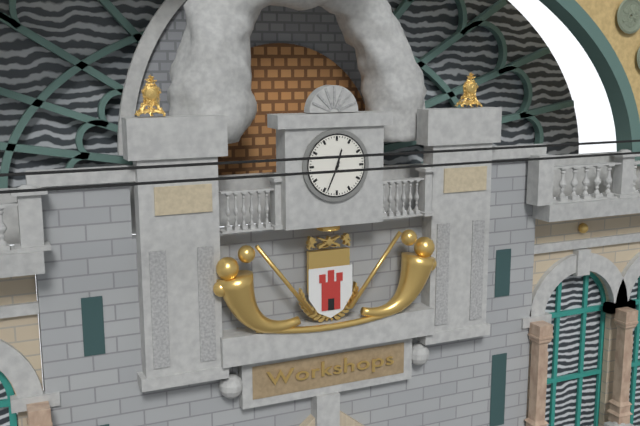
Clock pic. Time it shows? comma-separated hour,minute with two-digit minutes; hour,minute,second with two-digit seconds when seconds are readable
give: 12,34
